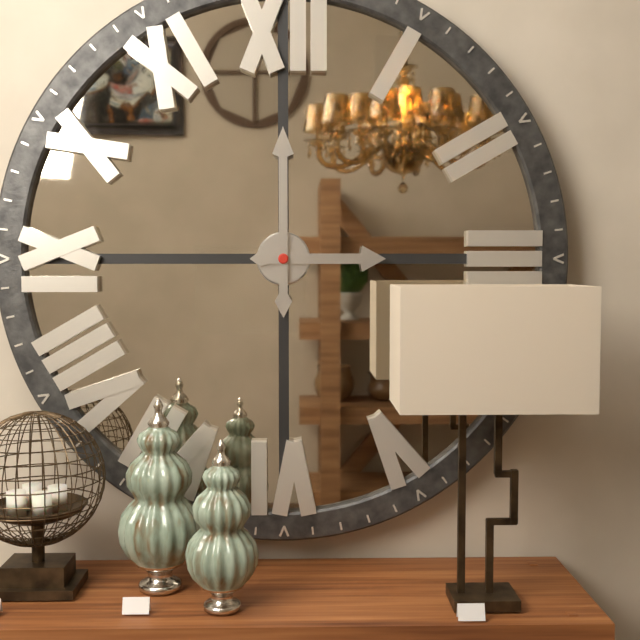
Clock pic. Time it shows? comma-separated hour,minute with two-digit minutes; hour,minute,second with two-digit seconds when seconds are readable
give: 3,00
